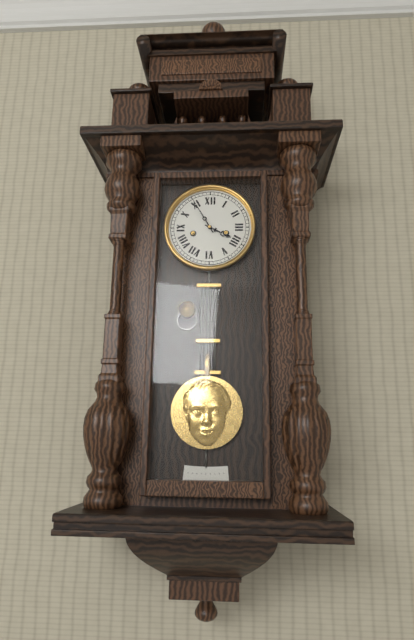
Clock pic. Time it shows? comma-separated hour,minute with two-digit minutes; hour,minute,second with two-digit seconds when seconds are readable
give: 3,55
